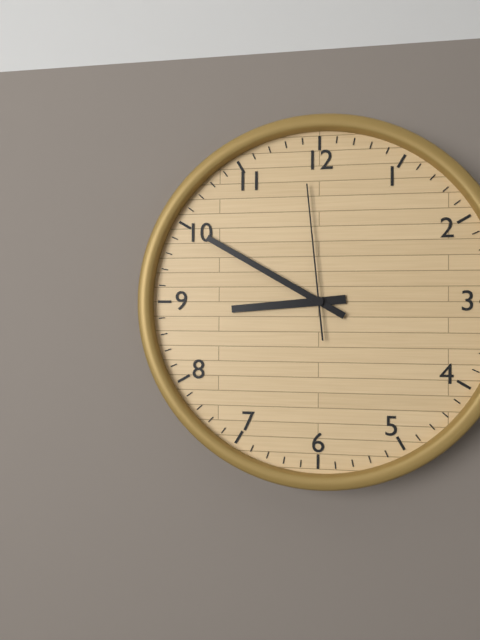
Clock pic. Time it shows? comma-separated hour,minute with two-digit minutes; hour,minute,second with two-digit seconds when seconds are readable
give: 8,50,59
